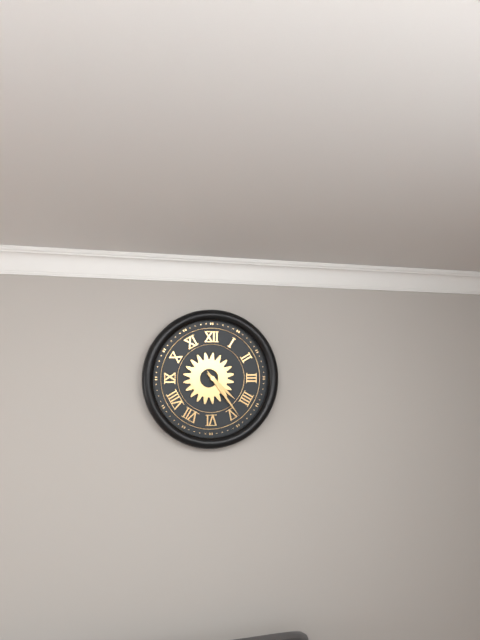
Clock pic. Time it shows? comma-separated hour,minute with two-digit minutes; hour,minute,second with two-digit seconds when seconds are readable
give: 4,24
